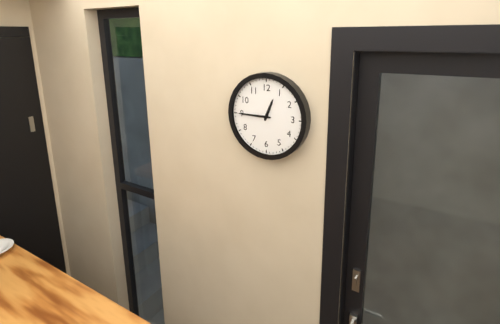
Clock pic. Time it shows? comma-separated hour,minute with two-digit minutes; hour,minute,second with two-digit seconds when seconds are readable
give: 12,45
